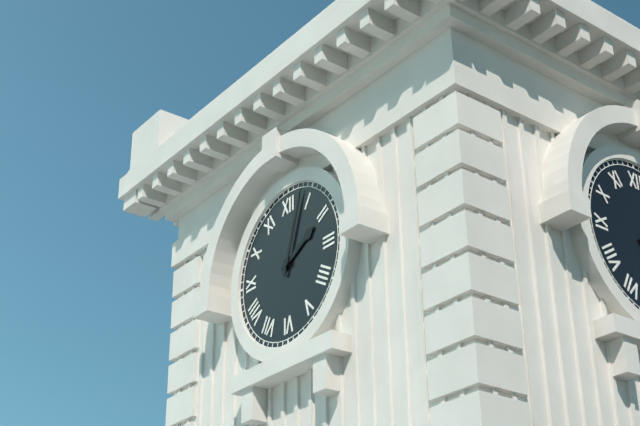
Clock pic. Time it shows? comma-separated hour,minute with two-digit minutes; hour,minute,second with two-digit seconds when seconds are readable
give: 2,03
